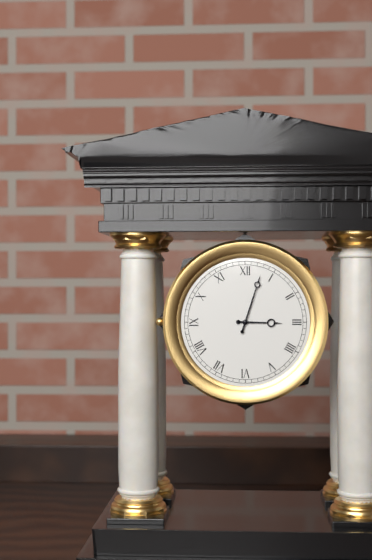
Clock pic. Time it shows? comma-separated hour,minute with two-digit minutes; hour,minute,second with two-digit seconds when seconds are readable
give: 3,03
